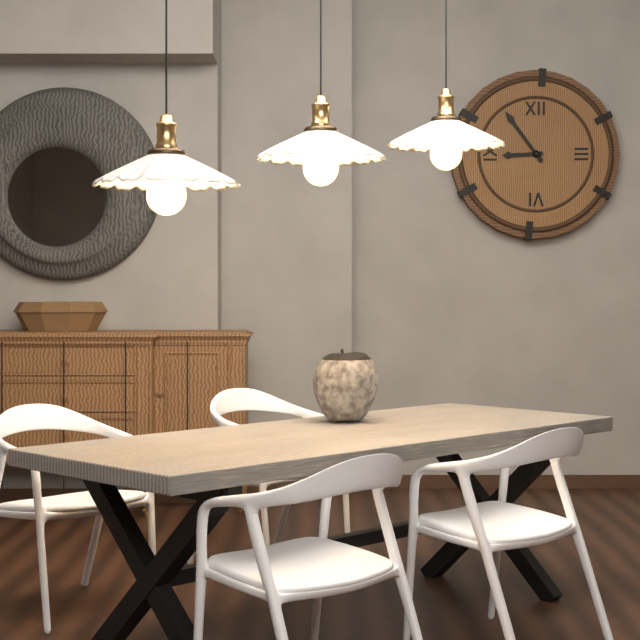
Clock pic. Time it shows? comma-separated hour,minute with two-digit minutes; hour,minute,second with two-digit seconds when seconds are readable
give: 8,54
